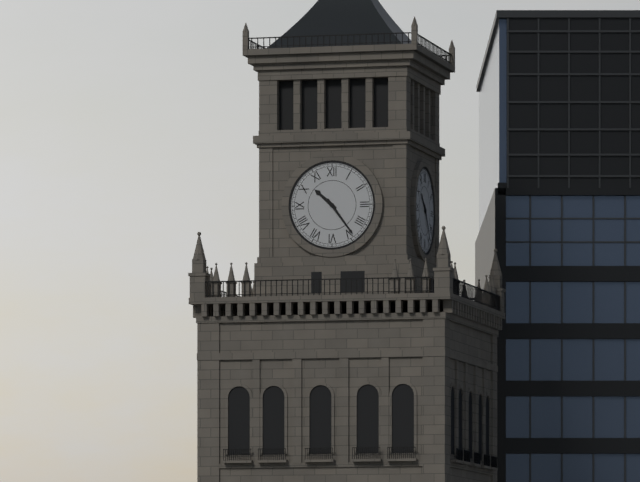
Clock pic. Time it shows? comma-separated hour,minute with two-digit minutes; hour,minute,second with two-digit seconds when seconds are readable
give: 10,24
